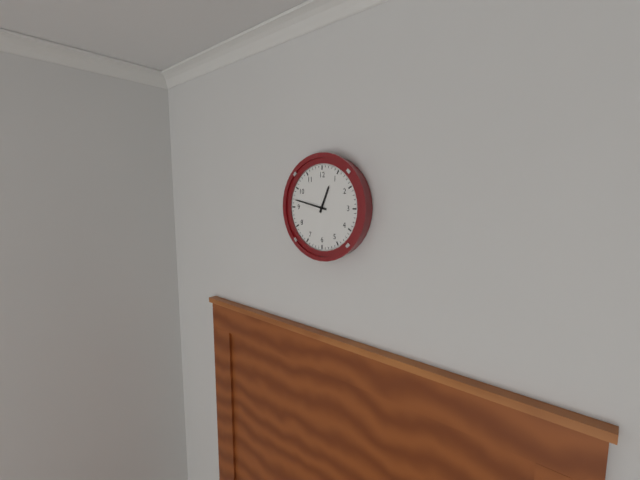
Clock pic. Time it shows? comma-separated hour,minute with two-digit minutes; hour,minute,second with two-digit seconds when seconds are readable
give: 12,47
